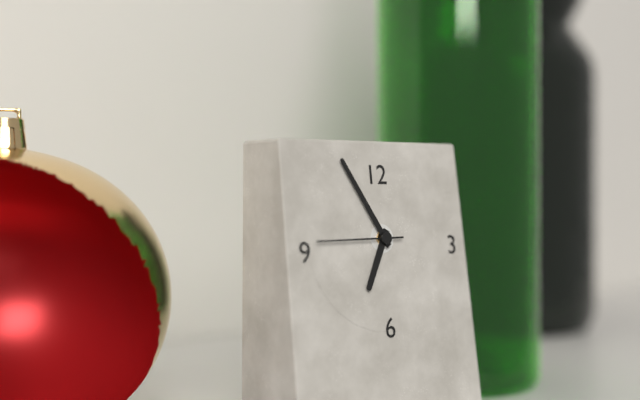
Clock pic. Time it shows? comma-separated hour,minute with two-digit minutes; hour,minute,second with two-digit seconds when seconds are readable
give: 6,55,45
